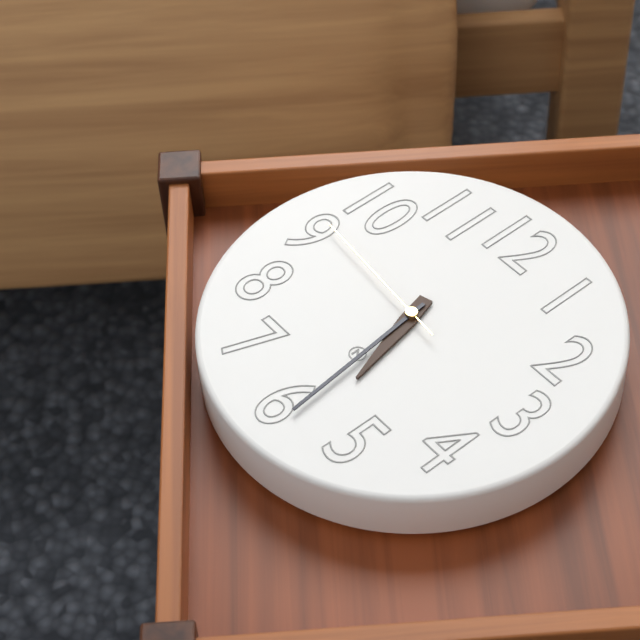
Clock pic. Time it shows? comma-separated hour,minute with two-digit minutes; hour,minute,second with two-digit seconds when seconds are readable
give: 5,29,46
